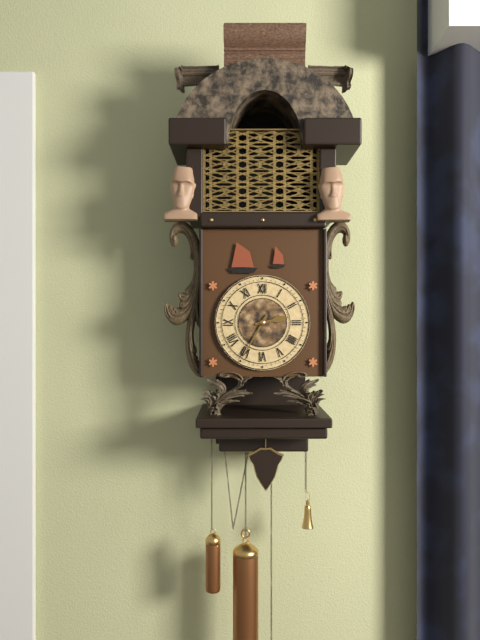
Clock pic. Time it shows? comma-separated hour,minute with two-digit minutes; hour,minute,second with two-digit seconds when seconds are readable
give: 2,35
